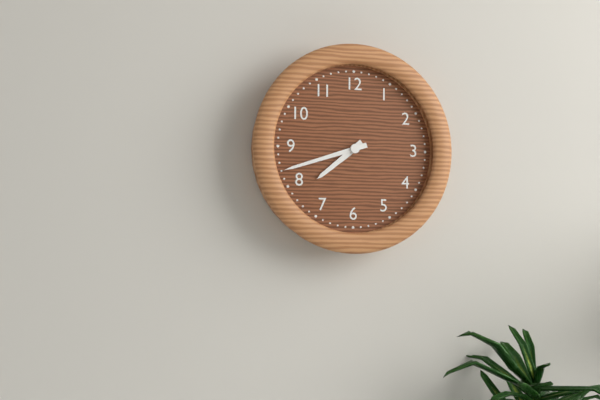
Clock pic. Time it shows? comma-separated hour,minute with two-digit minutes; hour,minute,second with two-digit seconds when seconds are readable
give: 7,42
